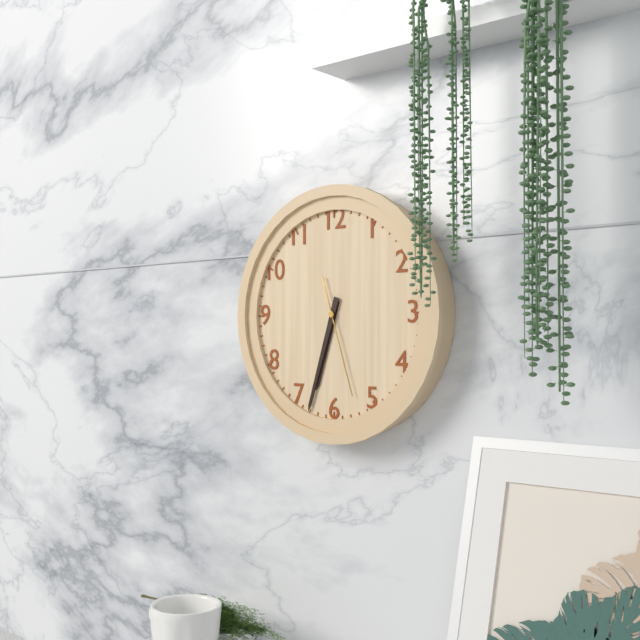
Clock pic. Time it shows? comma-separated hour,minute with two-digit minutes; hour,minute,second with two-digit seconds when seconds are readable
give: 6,33,27
